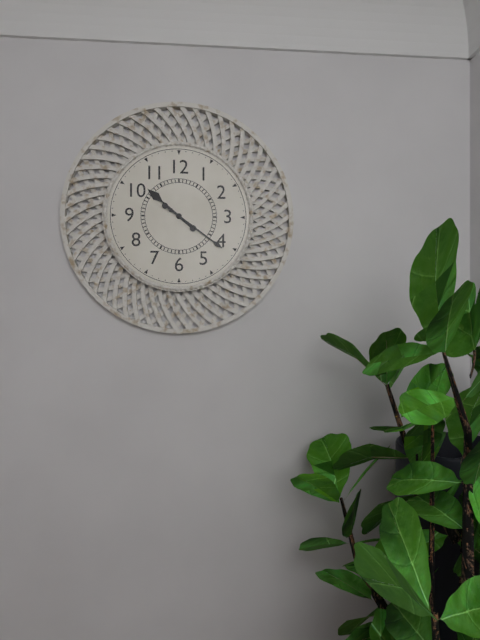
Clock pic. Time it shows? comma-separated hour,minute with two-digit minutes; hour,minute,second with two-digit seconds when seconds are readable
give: 10,21
